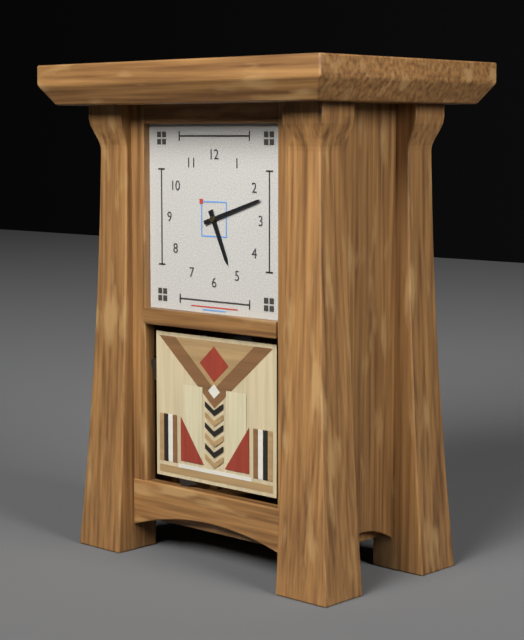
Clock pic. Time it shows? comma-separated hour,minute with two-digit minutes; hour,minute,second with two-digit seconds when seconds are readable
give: 5,12
